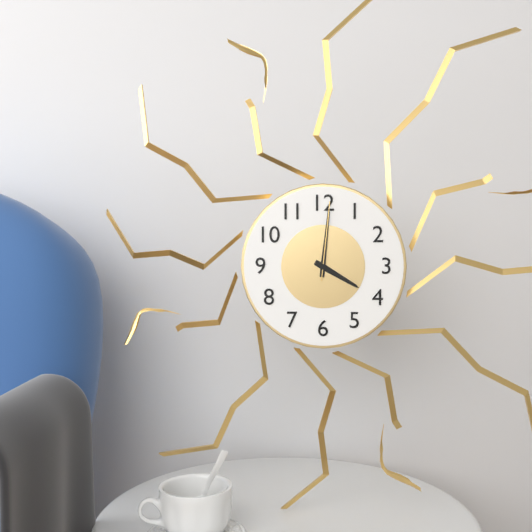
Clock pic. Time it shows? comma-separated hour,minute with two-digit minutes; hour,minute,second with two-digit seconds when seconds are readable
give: 4,01,01
